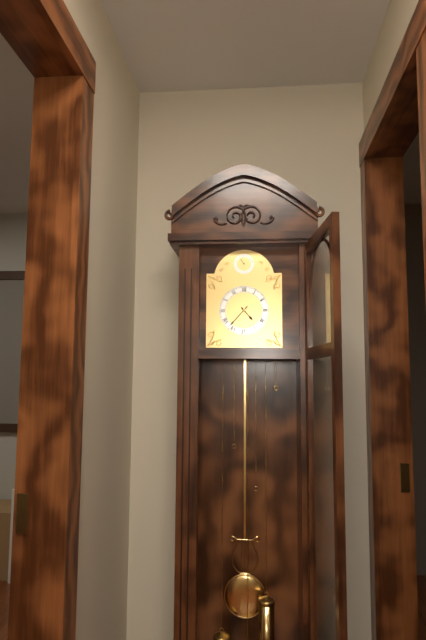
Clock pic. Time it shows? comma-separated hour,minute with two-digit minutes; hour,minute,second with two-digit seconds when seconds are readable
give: 4,37
